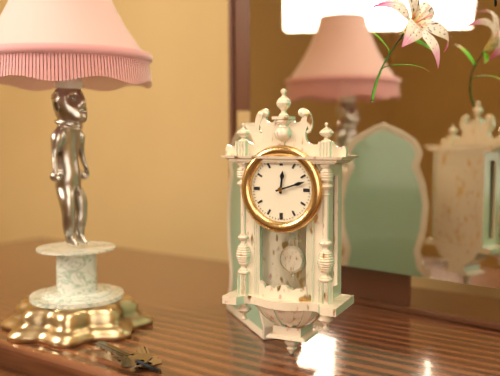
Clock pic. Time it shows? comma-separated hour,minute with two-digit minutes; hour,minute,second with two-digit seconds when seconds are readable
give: 12,12
